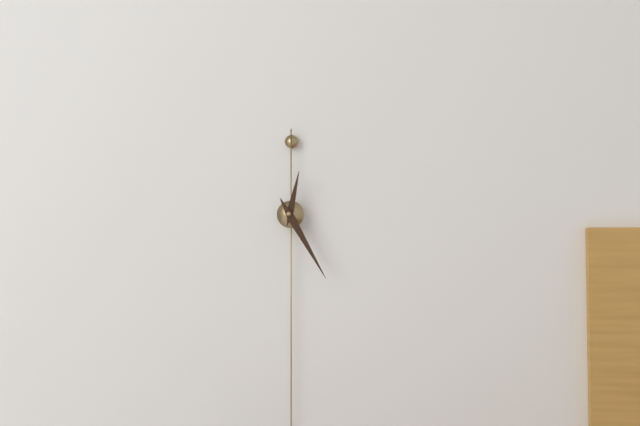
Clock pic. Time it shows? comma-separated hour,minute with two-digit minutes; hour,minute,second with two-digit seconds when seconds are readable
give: 12,25
